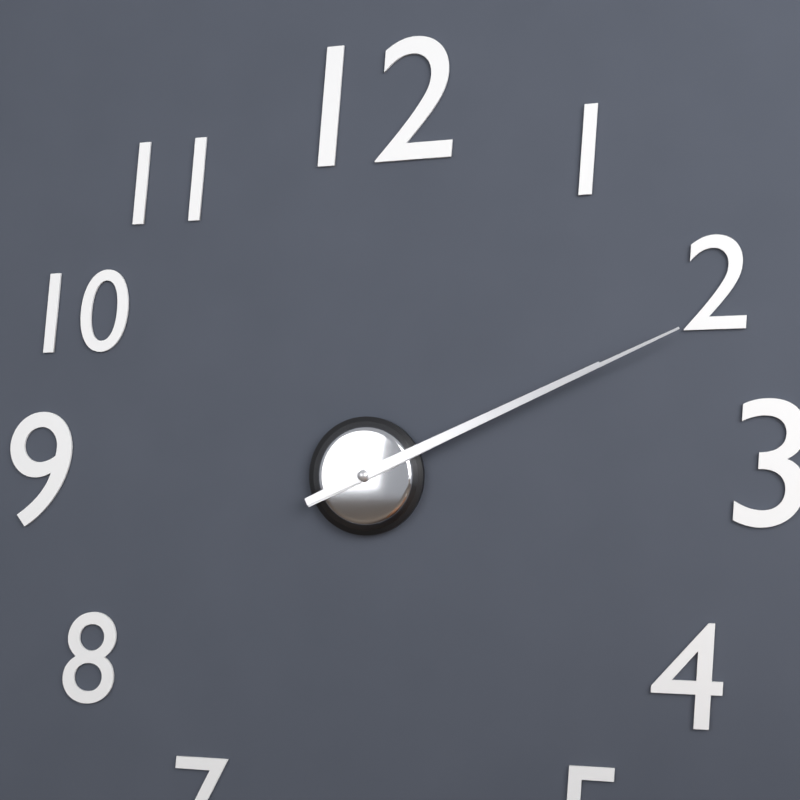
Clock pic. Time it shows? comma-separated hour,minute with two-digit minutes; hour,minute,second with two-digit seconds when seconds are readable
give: 2,11
